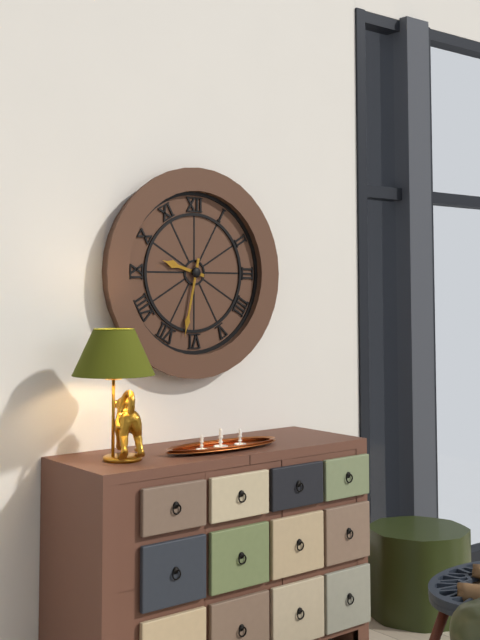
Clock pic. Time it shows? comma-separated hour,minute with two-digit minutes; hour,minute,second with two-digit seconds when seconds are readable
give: 9,32
